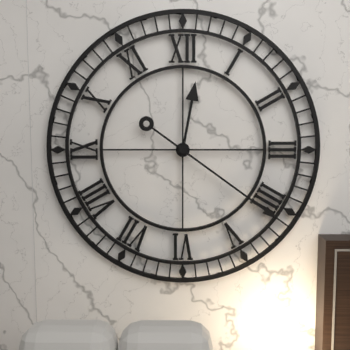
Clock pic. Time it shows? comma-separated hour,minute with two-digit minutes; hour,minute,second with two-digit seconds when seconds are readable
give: 12,21
